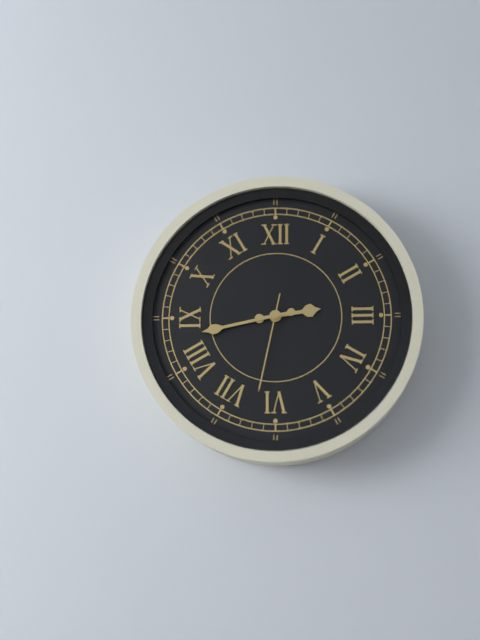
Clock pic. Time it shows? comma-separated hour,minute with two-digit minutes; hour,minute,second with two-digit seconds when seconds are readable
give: 2,43,32
